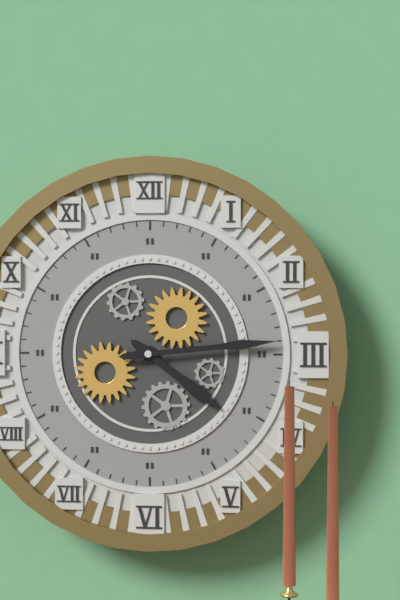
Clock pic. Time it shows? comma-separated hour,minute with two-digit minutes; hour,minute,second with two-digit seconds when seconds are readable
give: 4,14
